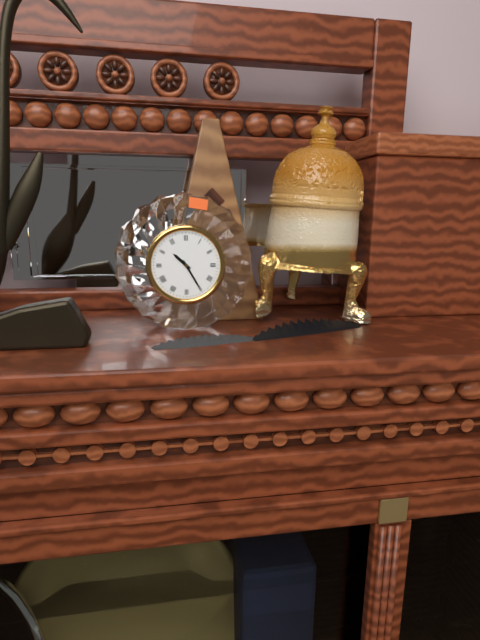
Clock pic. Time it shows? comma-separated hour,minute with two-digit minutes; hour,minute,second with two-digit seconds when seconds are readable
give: 10,25
